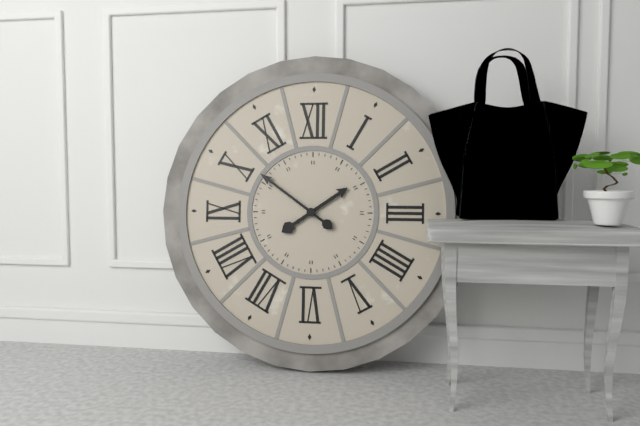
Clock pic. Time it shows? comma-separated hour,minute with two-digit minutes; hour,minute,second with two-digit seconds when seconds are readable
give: 1,51
